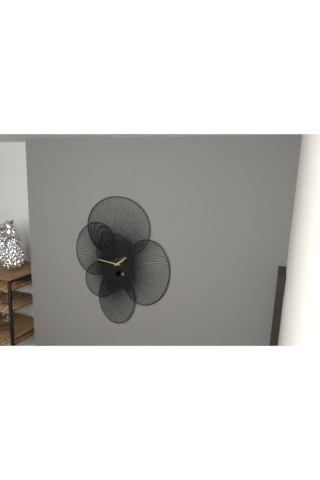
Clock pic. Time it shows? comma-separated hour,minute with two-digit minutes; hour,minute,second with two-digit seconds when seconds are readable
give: 1,46
